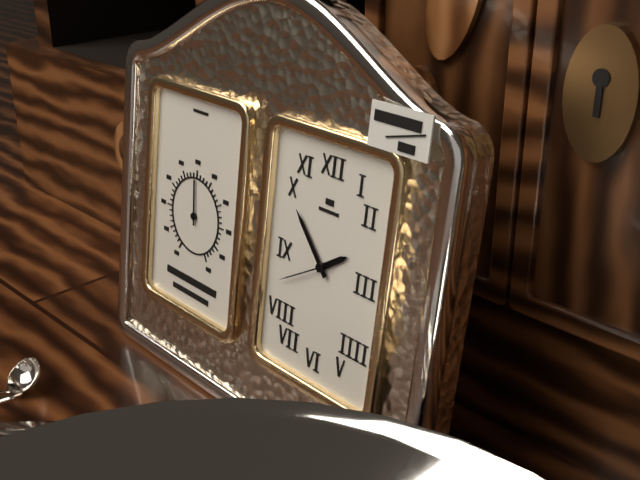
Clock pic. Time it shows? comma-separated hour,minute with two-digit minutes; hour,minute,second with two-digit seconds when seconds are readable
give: 1,53,40
